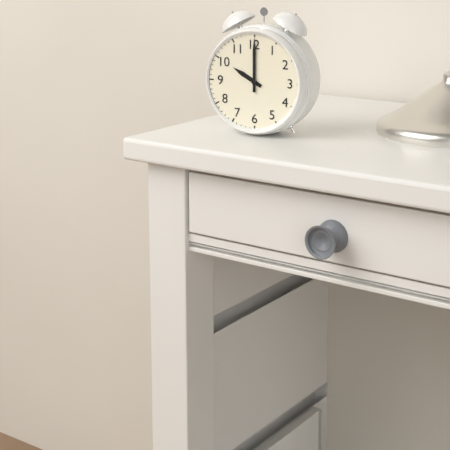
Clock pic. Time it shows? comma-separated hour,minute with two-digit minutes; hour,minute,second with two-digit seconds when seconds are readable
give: 10,00
